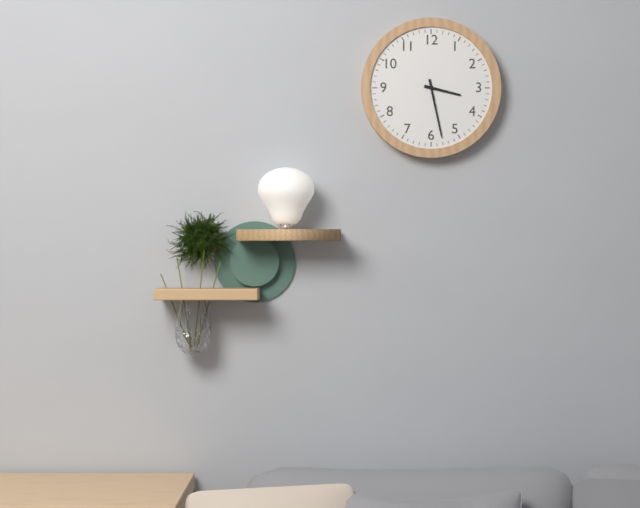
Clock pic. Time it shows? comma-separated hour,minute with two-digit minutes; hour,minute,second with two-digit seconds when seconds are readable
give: 3,28
